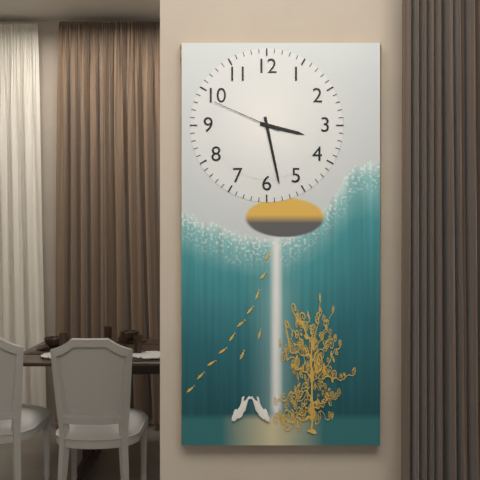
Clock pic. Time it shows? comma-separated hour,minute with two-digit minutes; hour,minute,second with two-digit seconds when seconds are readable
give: 3,28,49
